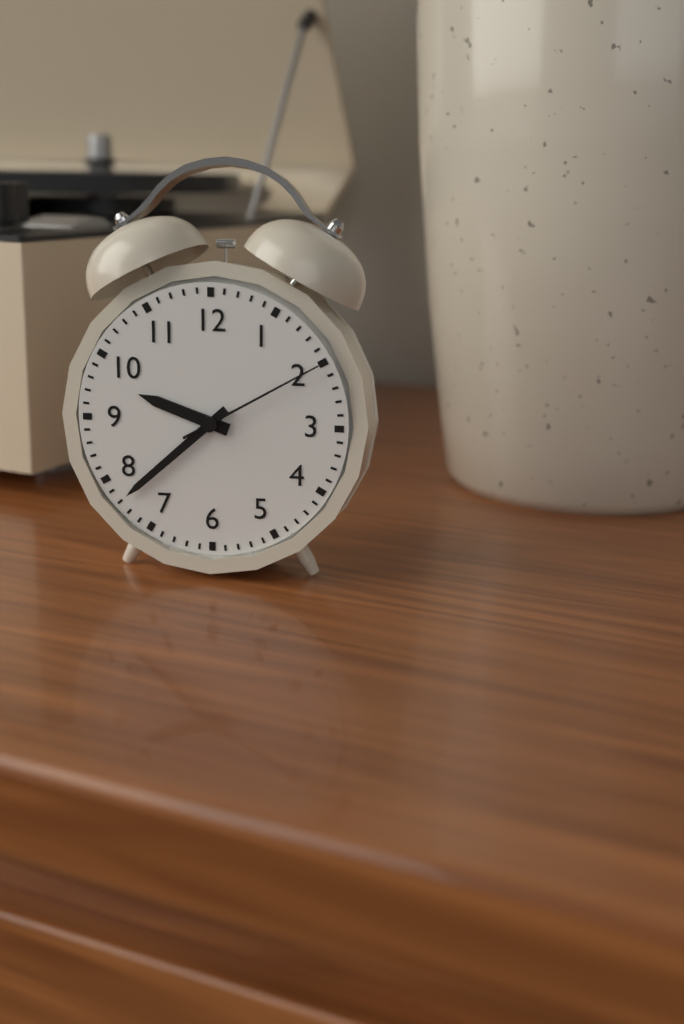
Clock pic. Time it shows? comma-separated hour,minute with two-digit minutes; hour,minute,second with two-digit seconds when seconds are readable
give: 9,38,10
